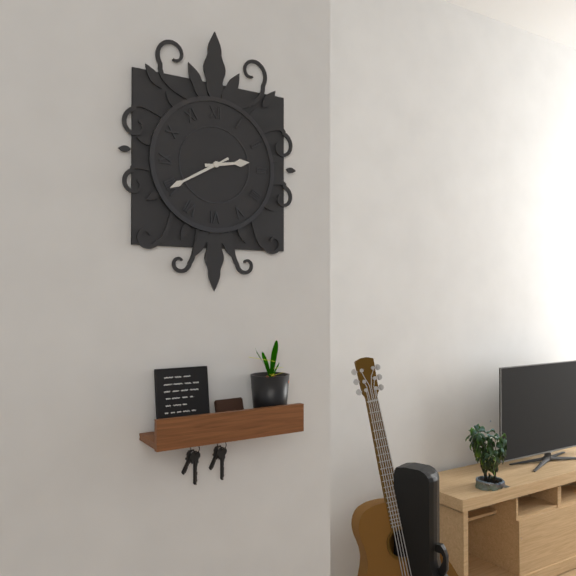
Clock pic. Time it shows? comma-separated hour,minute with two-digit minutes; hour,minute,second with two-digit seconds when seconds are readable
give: 2,40
